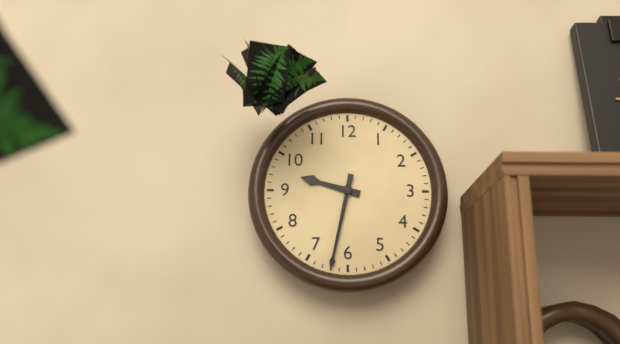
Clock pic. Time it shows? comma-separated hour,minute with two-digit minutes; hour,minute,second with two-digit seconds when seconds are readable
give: 9,32
